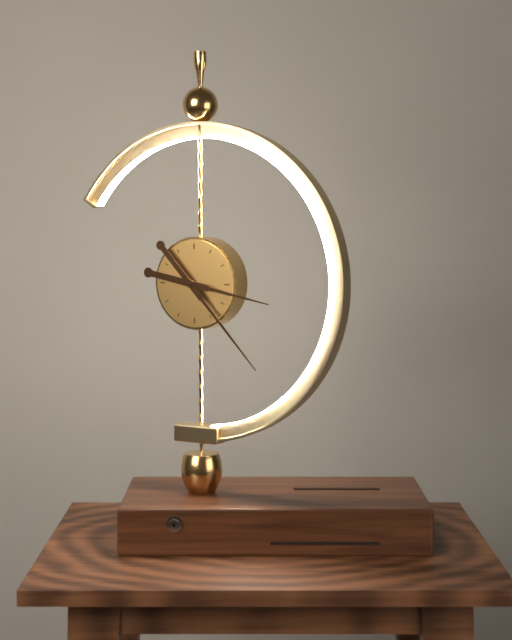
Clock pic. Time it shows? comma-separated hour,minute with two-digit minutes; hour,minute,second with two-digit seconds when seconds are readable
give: 3,23
